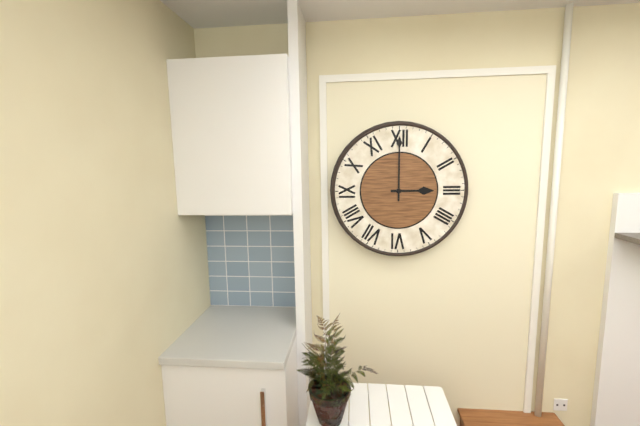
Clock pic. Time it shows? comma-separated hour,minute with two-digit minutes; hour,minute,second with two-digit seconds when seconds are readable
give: 3,00
